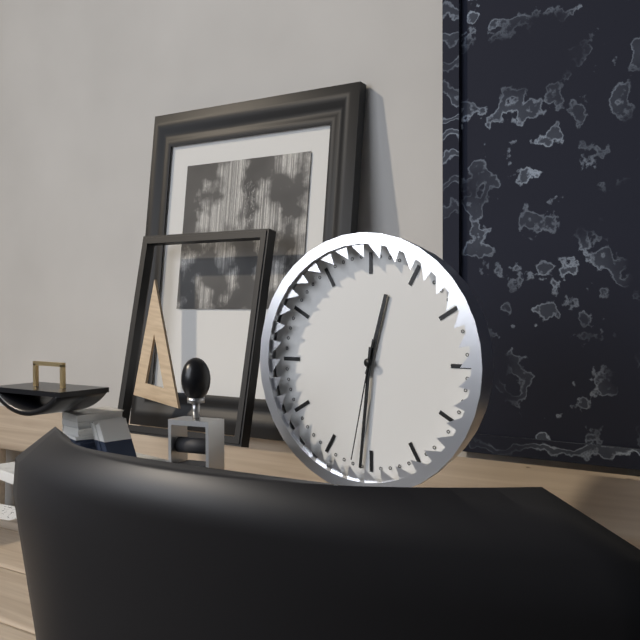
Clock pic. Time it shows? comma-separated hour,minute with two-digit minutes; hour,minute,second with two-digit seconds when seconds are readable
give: 12,31,32
